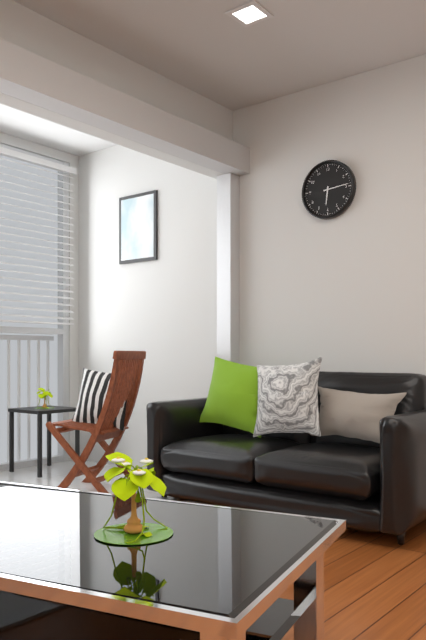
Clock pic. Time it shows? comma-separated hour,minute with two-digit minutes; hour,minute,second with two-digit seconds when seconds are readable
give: 6,14
